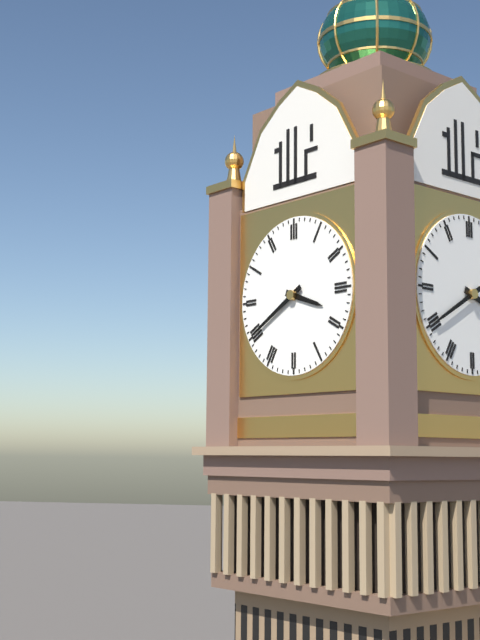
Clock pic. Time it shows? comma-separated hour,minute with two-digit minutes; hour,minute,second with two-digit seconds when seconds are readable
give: 3,40
